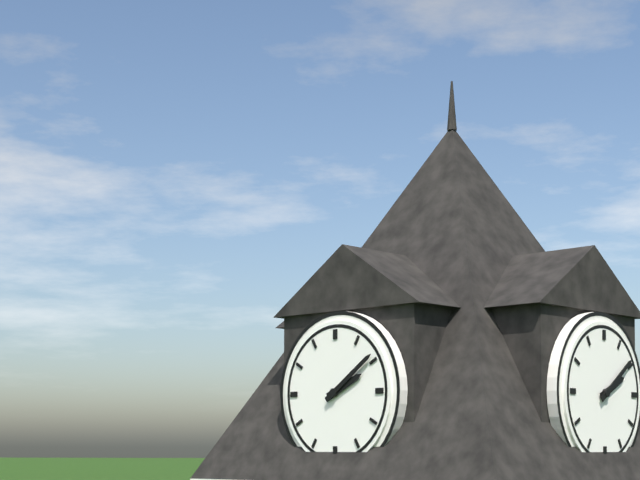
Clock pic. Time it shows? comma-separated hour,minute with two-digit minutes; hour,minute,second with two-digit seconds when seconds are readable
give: 2,09
